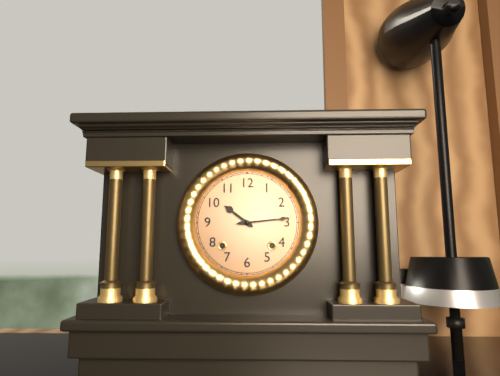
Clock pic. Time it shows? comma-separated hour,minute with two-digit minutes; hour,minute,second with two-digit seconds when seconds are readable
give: 10,14
